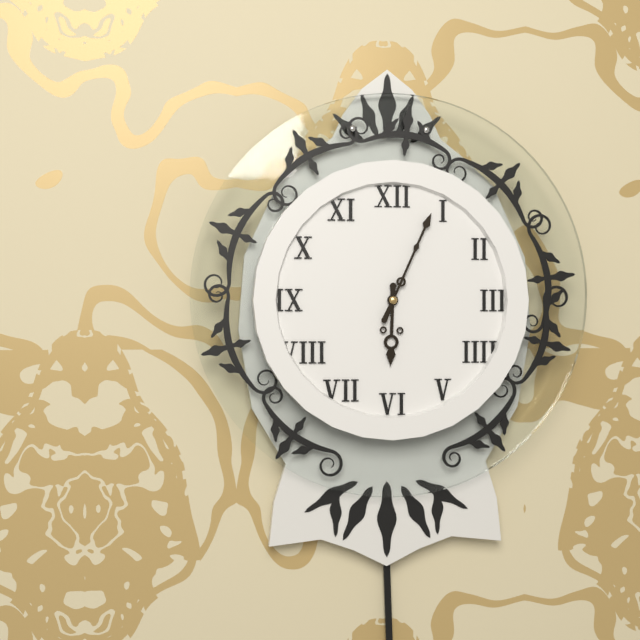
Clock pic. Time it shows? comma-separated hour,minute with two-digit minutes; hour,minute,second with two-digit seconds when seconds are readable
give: 6,04
